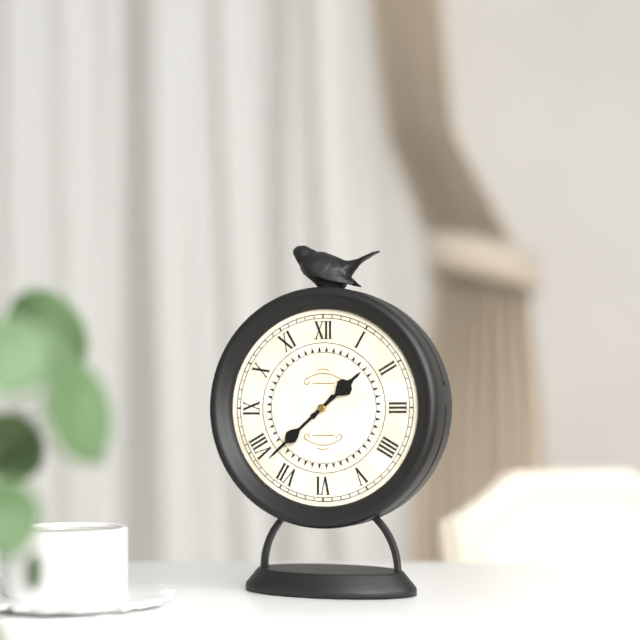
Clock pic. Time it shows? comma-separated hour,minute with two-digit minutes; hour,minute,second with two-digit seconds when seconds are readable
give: 1,38
